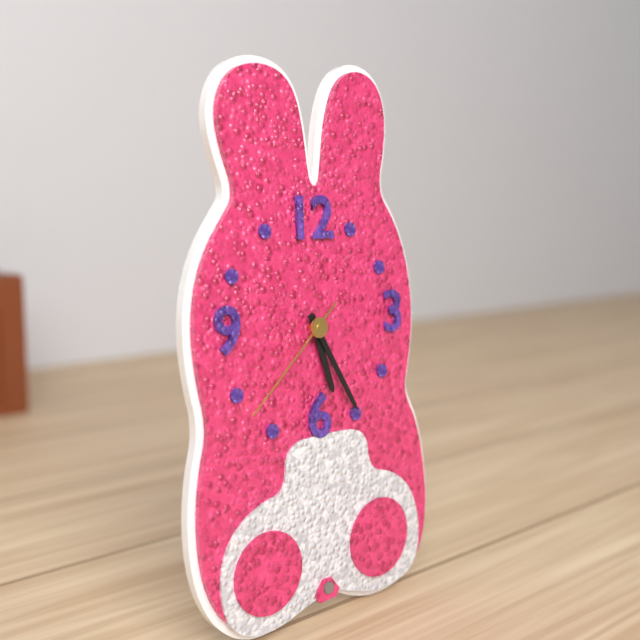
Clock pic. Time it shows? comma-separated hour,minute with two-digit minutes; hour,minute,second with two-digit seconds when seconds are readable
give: 5,25,38
